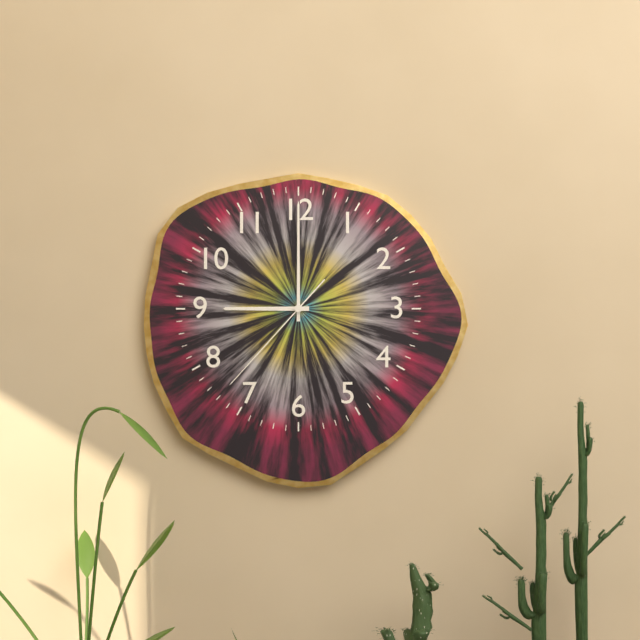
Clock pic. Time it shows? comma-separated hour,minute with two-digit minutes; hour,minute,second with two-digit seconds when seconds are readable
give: 9,00,37
